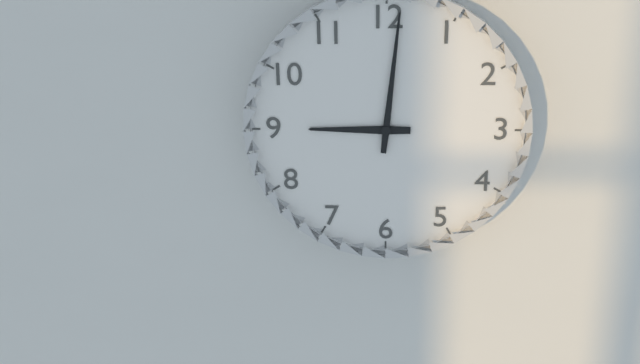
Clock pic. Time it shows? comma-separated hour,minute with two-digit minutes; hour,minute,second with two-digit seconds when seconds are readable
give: 9,01
